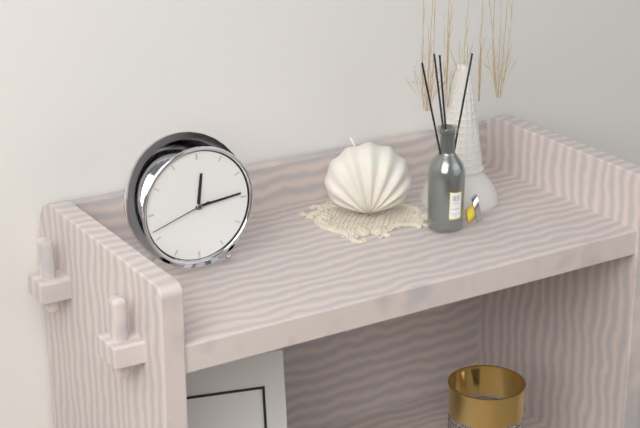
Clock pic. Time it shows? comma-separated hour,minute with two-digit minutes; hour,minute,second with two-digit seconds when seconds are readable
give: 12,14,42
